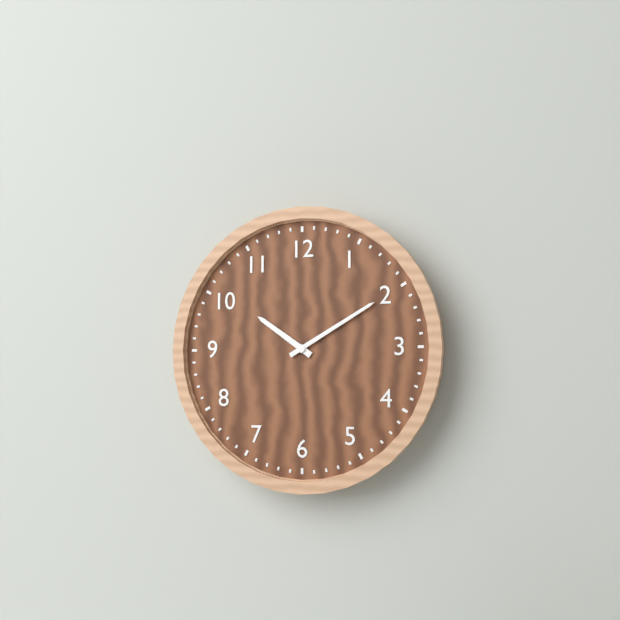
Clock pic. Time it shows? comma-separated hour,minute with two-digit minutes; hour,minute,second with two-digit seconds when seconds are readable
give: 10,10
